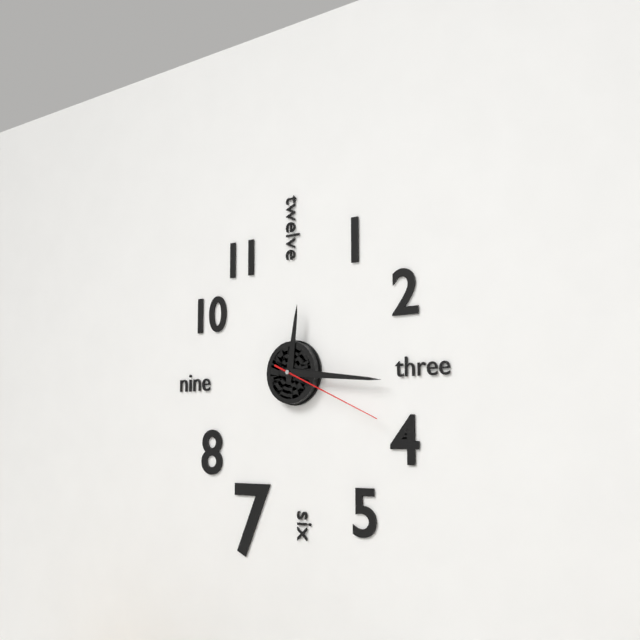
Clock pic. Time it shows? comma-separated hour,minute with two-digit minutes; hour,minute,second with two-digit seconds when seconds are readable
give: 12,16,19
